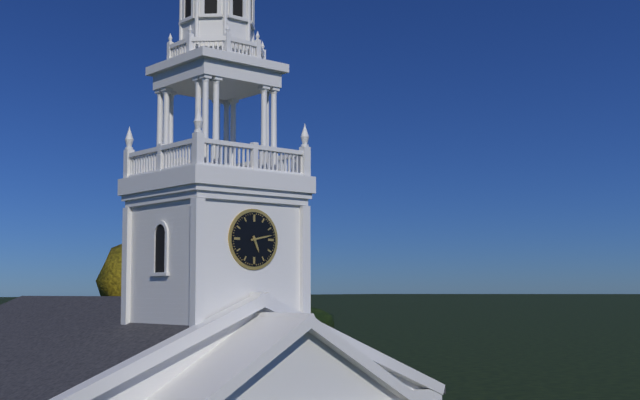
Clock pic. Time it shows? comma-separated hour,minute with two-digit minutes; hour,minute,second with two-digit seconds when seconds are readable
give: 5,13
